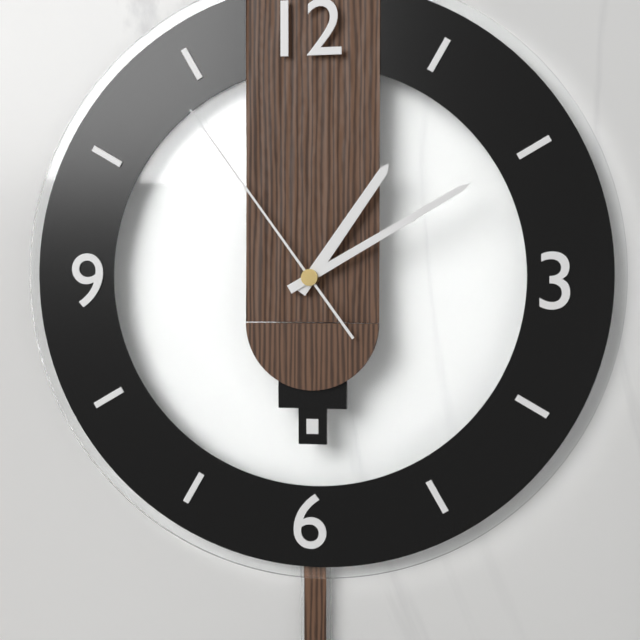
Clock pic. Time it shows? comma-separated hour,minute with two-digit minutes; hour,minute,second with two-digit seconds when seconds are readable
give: 1,10,54
